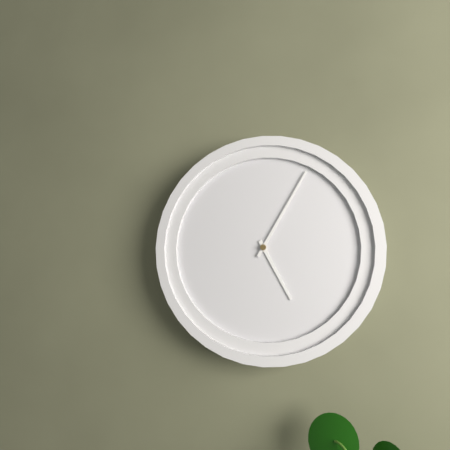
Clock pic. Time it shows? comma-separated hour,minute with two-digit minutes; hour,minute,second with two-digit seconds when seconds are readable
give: 5,05
